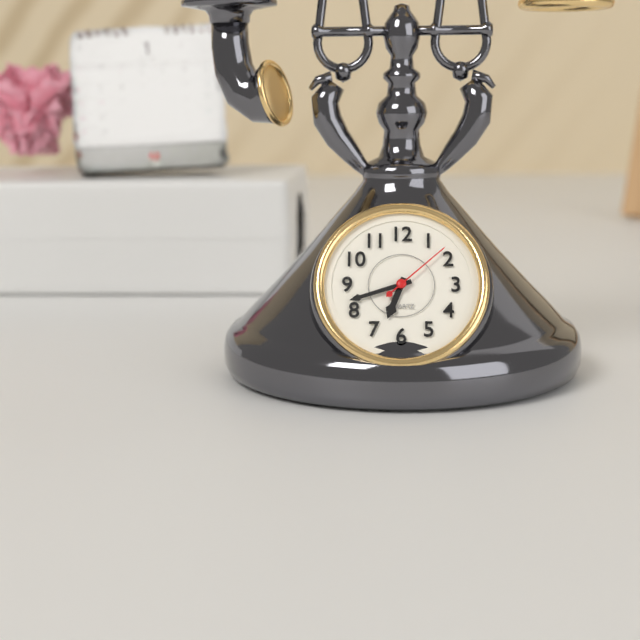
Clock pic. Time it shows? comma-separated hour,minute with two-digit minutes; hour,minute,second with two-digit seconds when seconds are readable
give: 6,42,08
